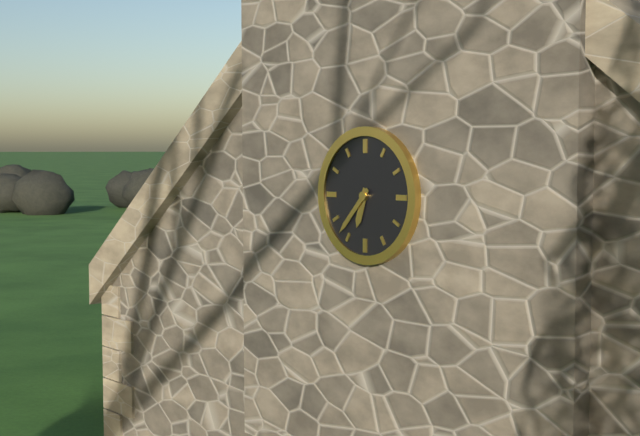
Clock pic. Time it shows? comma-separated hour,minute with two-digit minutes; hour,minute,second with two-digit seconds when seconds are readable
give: 6,37
